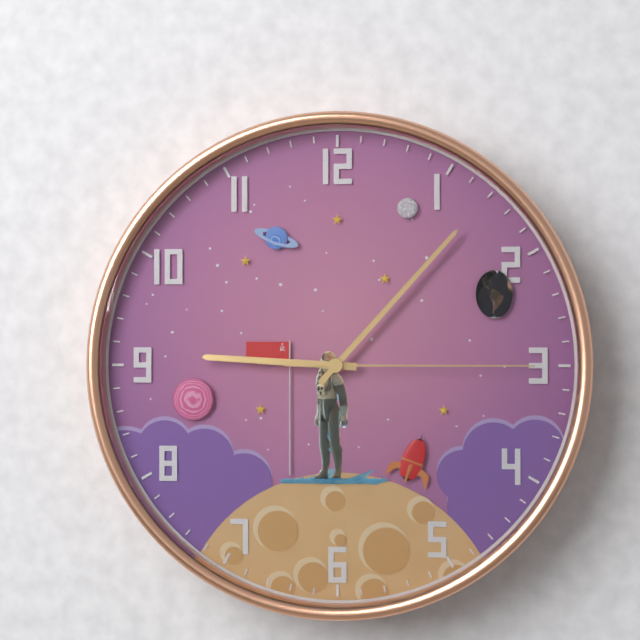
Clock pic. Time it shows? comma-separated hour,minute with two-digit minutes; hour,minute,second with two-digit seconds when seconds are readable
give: 9,07,15
